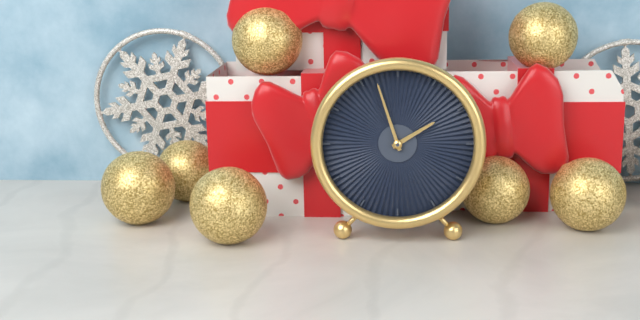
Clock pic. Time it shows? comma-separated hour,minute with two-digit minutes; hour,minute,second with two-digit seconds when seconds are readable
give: 1,57
